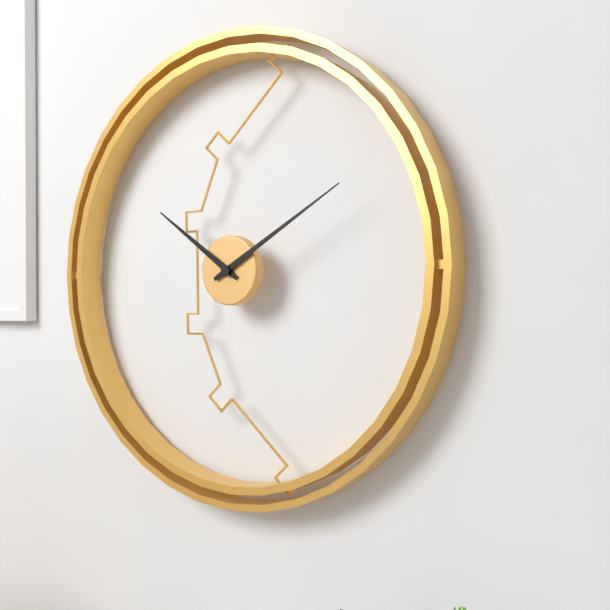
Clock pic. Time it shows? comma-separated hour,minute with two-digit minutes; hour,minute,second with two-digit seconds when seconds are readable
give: 10,10
